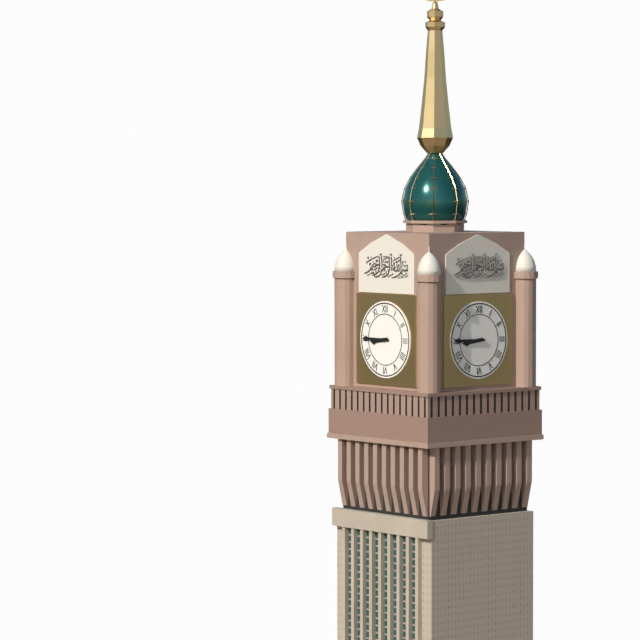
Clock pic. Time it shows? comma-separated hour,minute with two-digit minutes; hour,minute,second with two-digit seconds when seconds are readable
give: 8,45
